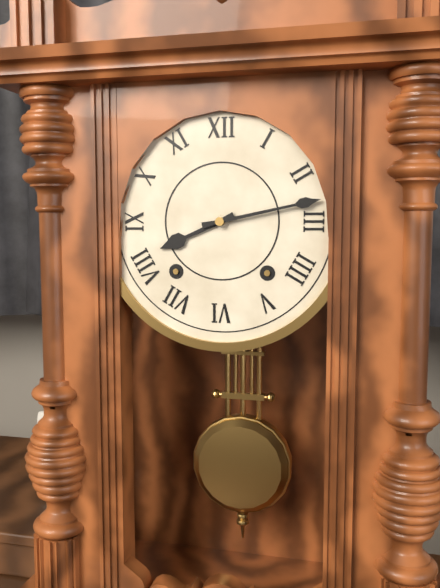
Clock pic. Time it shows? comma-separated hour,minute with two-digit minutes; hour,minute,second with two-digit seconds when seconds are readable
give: 8,13
